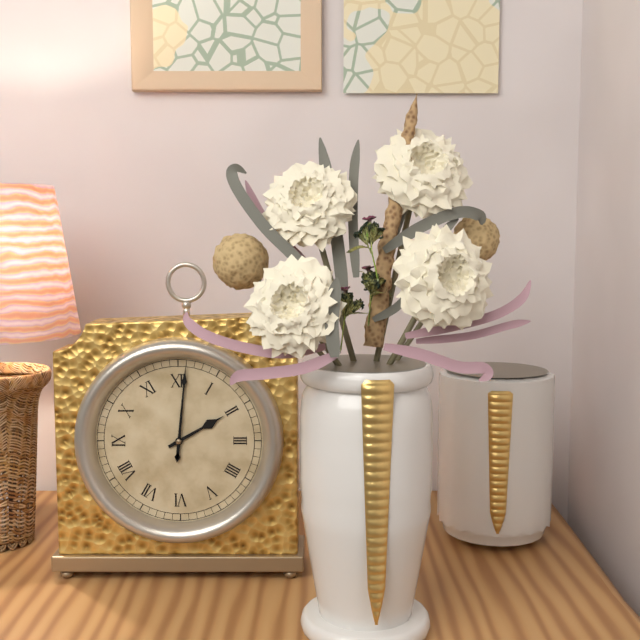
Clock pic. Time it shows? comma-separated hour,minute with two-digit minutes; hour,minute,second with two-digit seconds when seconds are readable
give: 2,01
